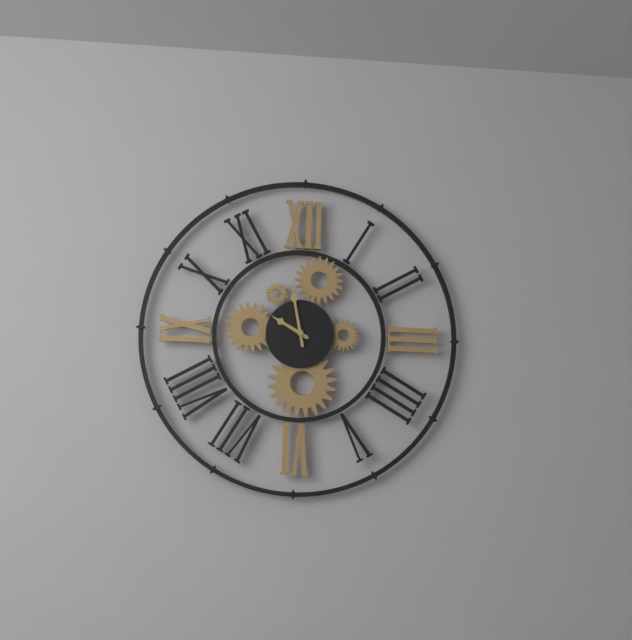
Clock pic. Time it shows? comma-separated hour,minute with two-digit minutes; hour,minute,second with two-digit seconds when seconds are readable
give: 9,58
